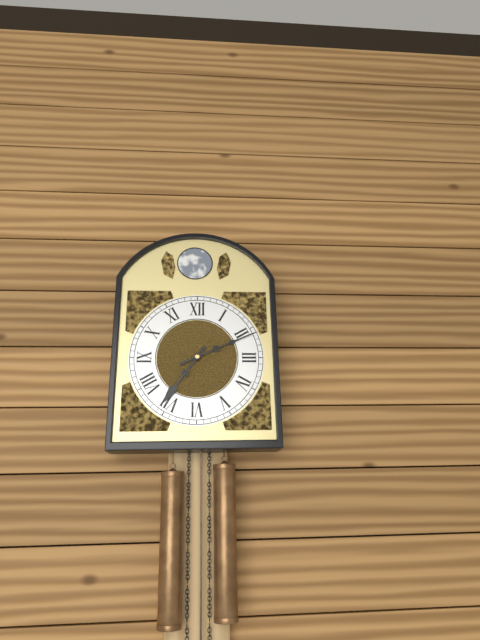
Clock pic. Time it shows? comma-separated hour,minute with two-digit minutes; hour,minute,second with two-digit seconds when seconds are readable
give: 7,11
